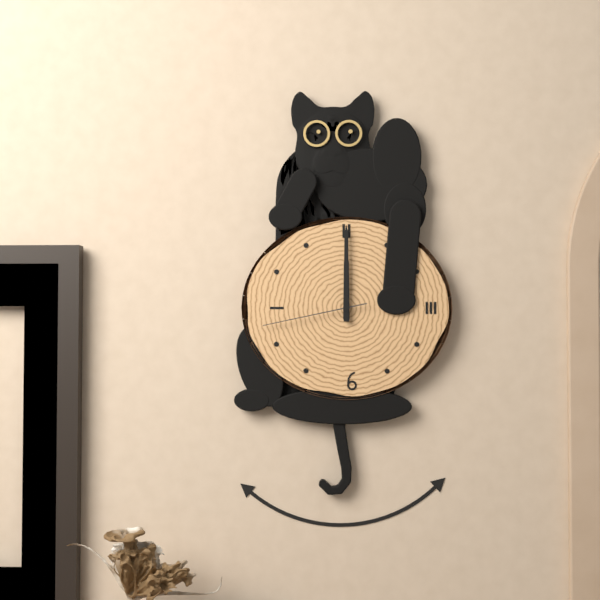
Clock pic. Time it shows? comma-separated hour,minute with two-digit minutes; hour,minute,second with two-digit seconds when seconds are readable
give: 12,00,43
